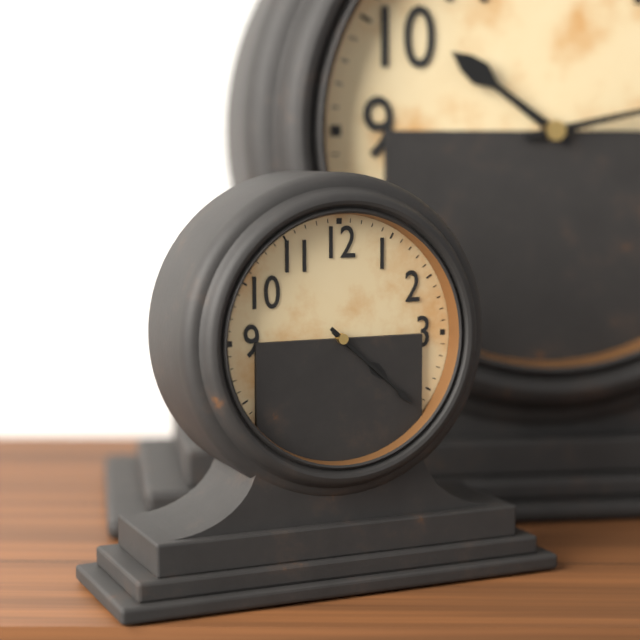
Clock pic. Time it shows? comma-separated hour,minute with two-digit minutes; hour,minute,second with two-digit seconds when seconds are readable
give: 4,22
